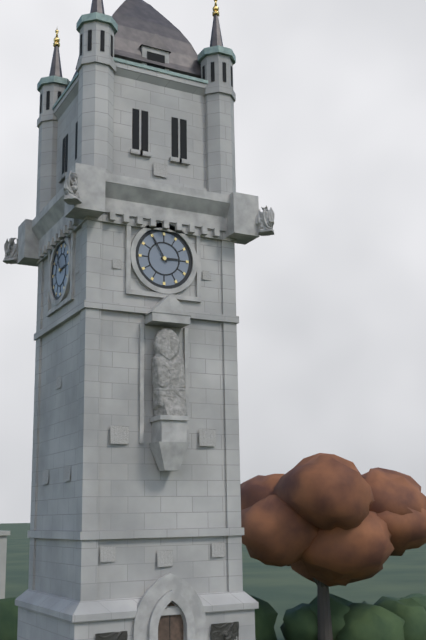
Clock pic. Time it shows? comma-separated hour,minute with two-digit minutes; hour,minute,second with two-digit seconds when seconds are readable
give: 2,55
